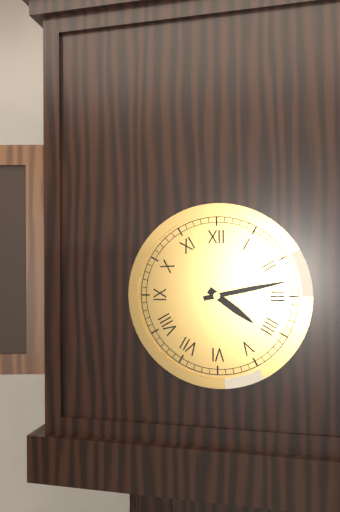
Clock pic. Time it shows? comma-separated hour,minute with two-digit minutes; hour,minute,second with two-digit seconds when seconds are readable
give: 4,13
